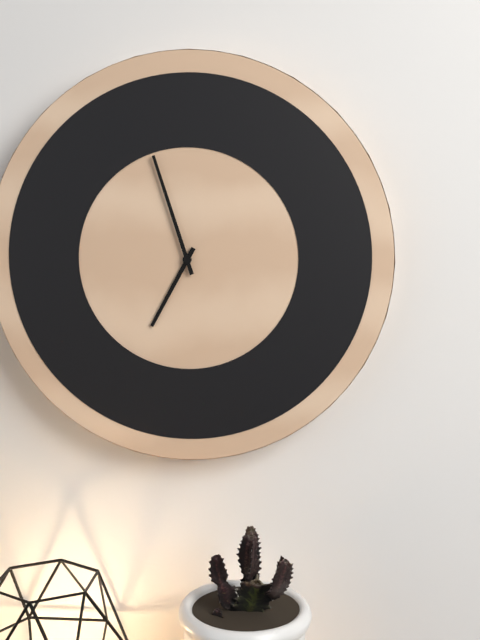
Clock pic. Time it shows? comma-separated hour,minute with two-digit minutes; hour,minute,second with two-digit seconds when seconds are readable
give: 6,57
